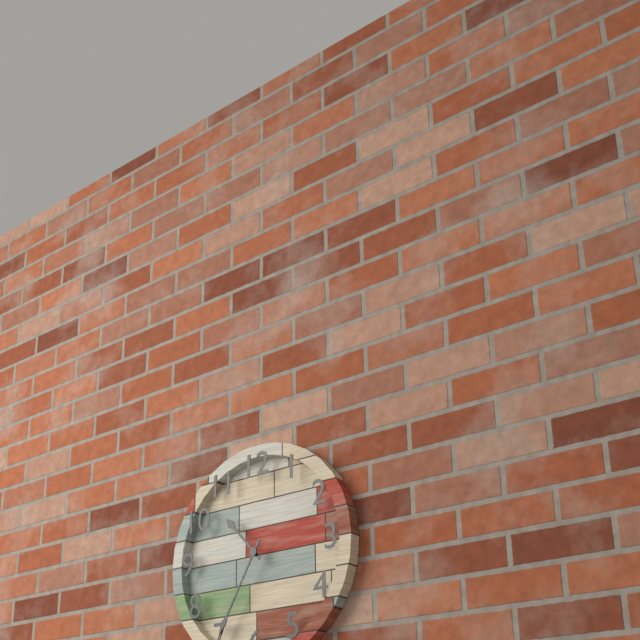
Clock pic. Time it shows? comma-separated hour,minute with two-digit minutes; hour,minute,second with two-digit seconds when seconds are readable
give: 10,35
